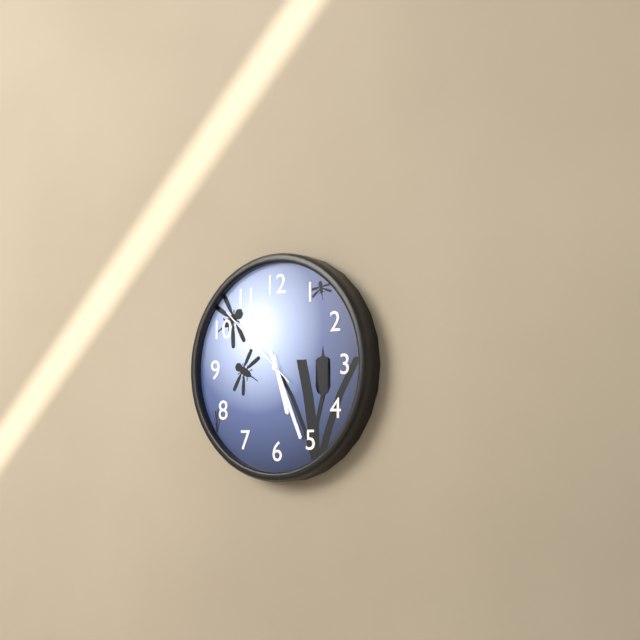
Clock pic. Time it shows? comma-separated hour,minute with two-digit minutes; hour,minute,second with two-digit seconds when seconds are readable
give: 5,26,52
